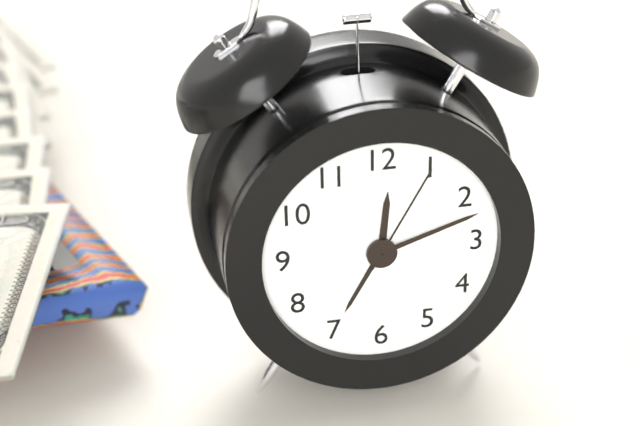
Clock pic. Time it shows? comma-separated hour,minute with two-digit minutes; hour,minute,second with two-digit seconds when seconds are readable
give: 12,12,05
